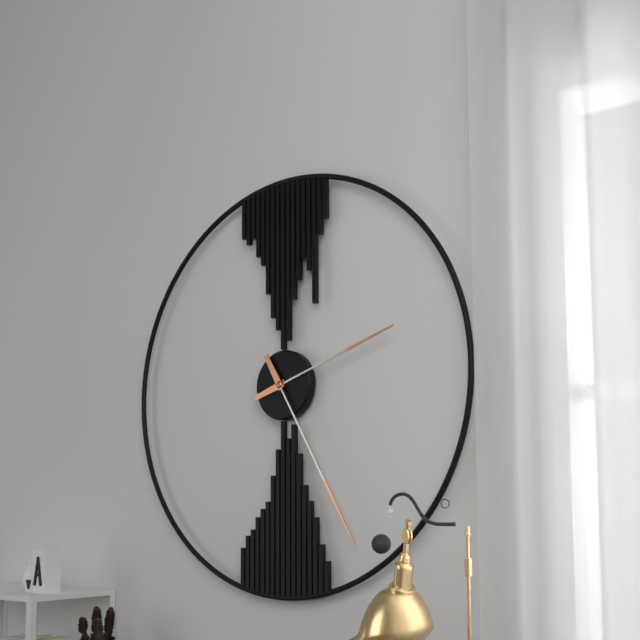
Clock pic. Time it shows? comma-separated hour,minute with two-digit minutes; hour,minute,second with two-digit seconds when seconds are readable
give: 2,25
